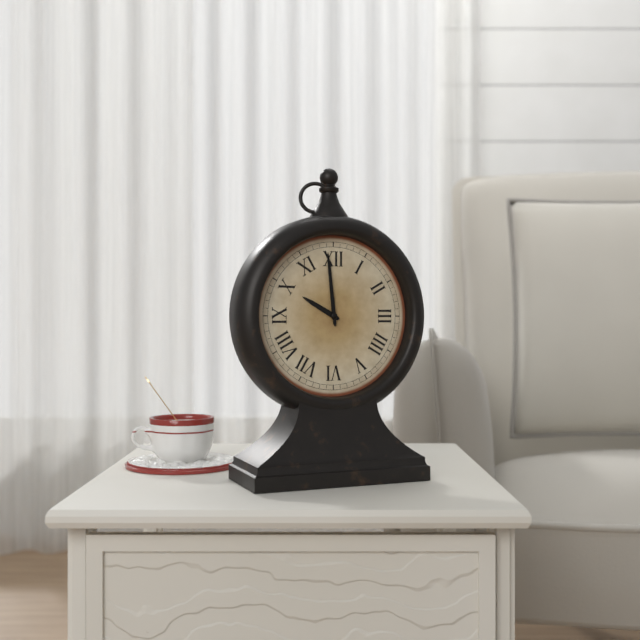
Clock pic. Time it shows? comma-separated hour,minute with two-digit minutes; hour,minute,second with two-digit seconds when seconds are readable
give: 9,59
